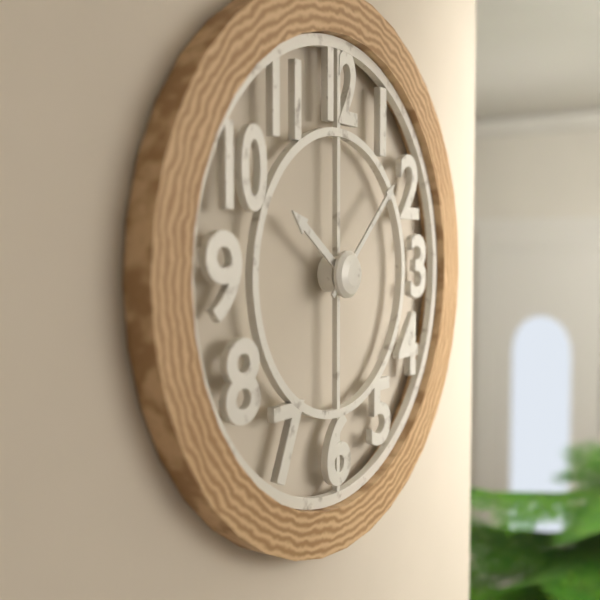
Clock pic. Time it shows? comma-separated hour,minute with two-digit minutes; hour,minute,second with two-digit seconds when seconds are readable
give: 10,08
